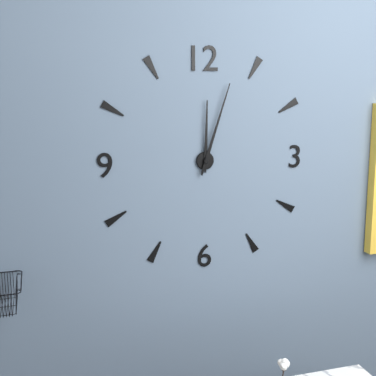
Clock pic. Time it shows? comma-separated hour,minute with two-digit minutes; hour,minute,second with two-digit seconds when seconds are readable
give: 12,03
